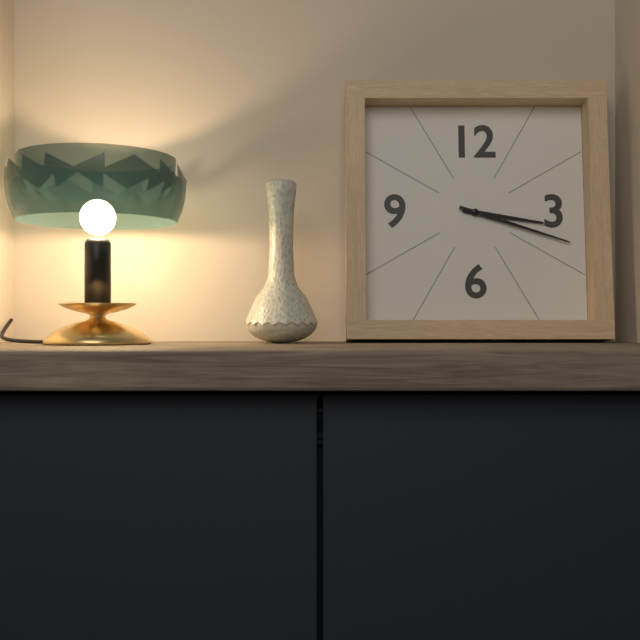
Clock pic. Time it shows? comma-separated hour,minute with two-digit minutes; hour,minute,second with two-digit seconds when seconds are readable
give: 3,18
